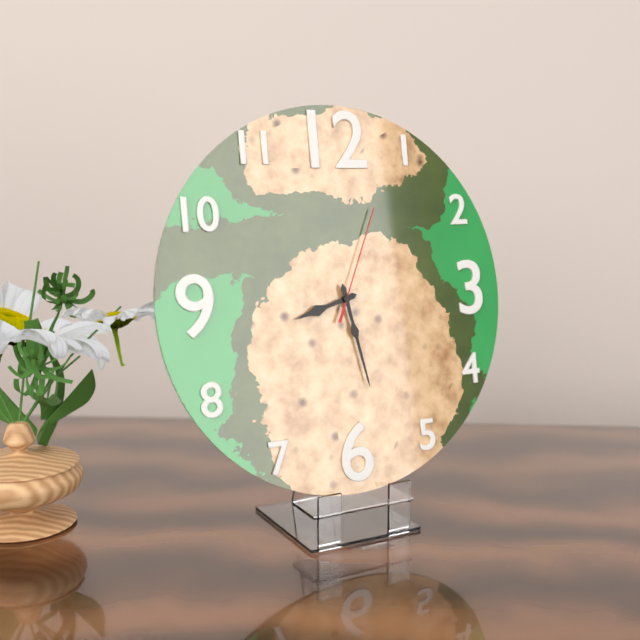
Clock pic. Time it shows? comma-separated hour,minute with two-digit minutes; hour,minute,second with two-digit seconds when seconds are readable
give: 8,28,04
